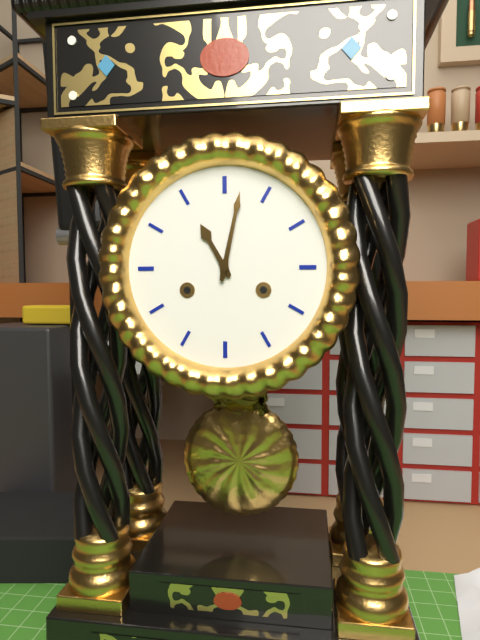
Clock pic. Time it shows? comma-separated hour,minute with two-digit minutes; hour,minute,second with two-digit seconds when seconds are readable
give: 11,02
